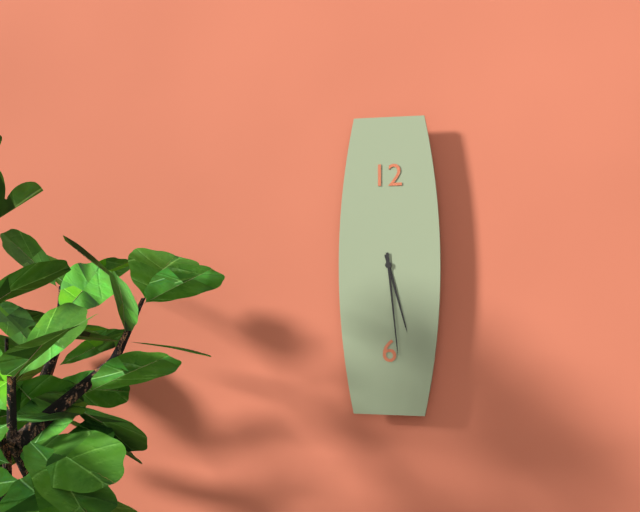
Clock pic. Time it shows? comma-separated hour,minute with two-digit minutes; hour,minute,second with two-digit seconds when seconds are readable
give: 5,29
